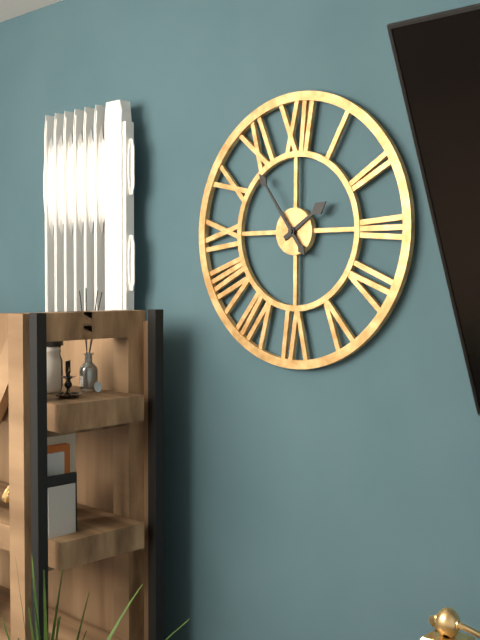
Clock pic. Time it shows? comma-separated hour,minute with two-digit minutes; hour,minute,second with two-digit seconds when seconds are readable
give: 1,54
